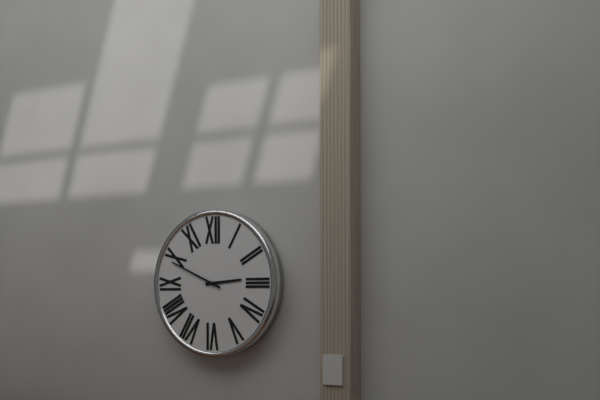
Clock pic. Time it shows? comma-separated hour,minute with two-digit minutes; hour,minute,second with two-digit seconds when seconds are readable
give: 2,49
